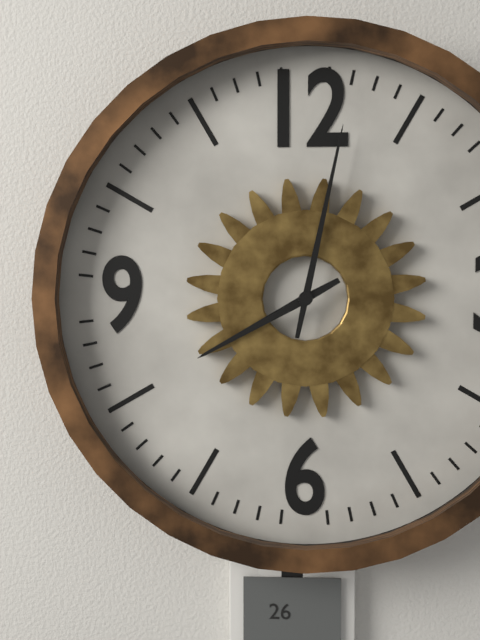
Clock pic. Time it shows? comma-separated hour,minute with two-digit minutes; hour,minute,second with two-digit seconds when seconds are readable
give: 8,02
